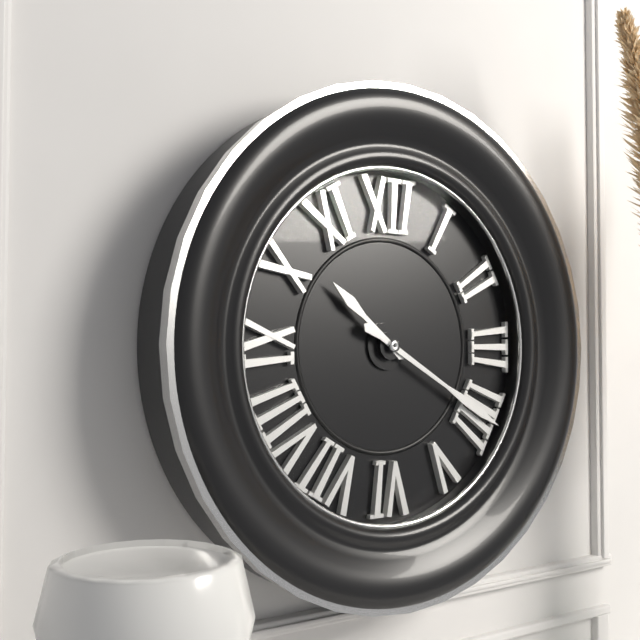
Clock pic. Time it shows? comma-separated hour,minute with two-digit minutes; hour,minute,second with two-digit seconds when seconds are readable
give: 10,20
